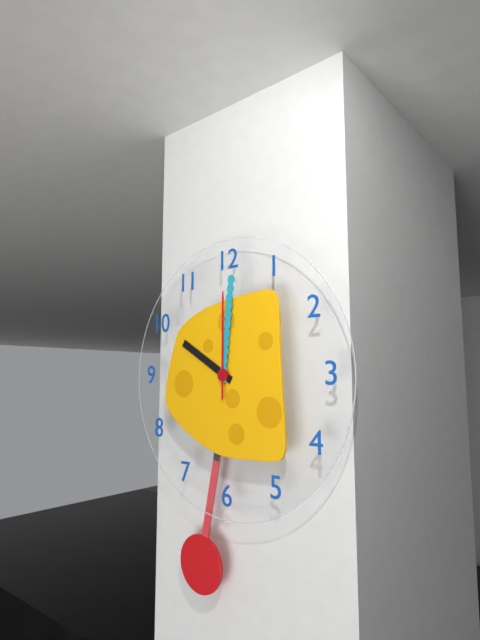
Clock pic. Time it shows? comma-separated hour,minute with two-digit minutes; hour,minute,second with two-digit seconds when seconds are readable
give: 10,01,00
